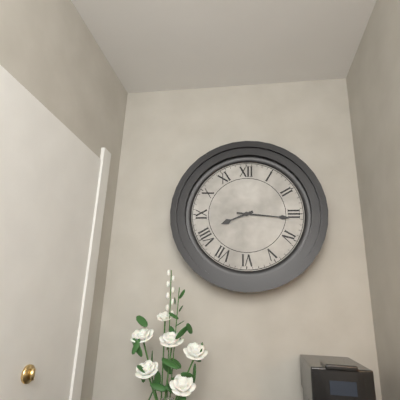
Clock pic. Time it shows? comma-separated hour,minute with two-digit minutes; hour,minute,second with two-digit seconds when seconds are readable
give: 8,16
